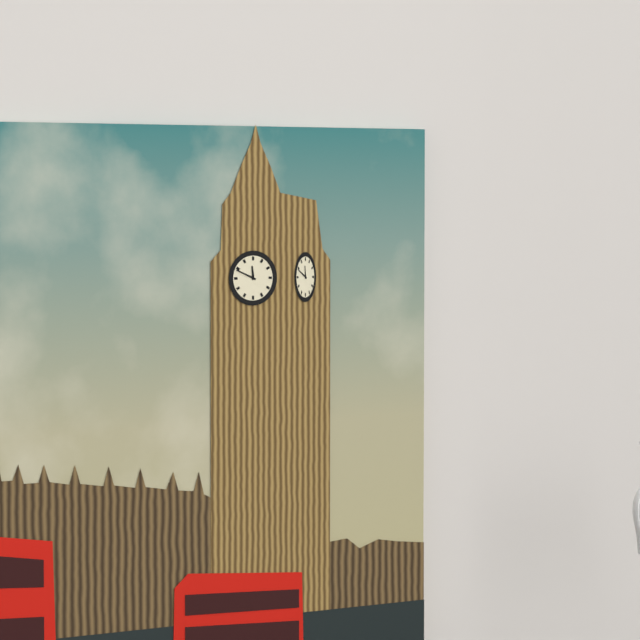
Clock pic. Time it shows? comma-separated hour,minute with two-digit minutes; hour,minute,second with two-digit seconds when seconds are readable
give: 11,49
